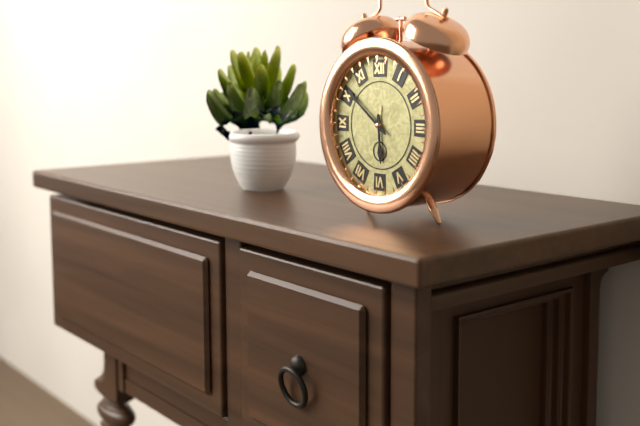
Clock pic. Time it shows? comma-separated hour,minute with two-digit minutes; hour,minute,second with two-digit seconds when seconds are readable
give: 5,51
